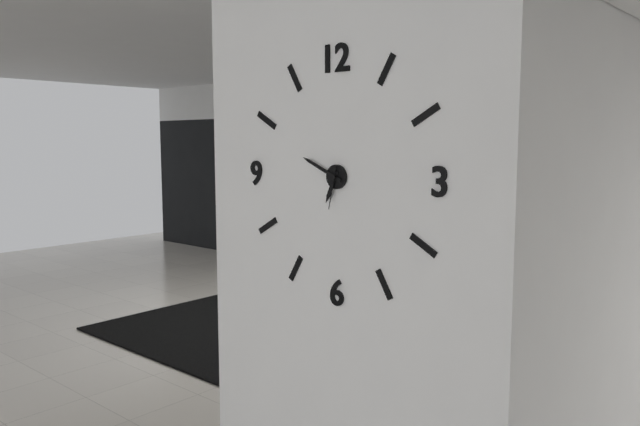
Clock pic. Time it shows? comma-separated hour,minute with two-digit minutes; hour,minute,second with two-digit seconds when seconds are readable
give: 6,49
